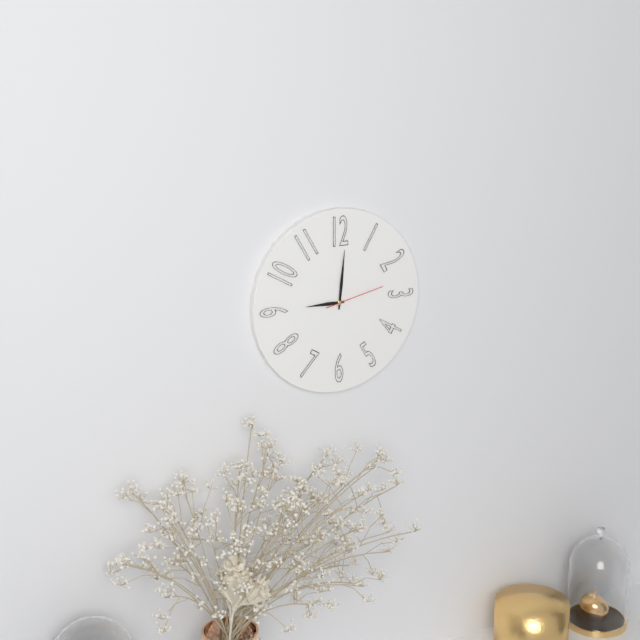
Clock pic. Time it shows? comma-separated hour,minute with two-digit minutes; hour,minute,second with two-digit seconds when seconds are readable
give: 9,01,13
